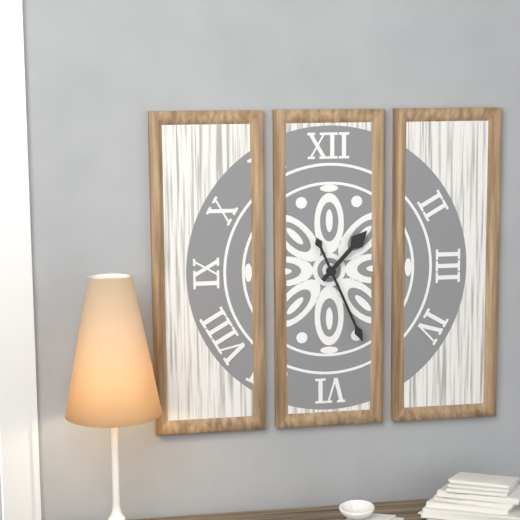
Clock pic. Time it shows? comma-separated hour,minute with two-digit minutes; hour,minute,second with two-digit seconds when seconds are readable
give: 1,26
